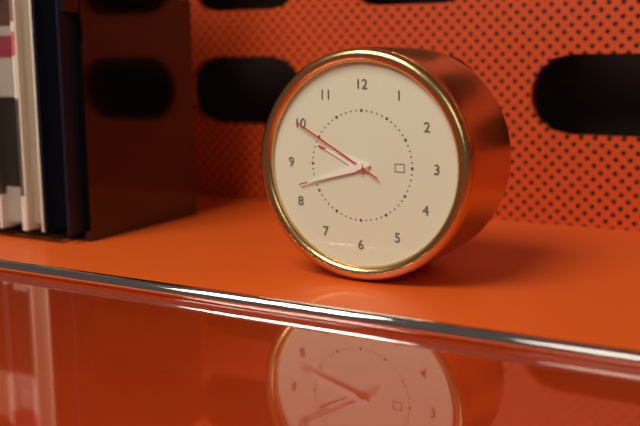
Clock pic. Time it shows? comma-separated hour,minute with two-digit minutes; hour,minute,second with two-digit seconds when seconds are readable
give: 9,42,50
